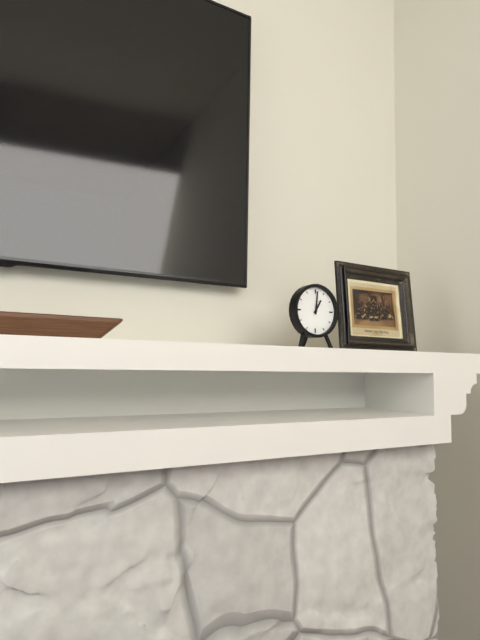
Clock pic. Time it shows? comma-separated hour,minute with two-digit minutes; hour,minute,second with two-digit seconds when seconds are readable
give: 1,01
